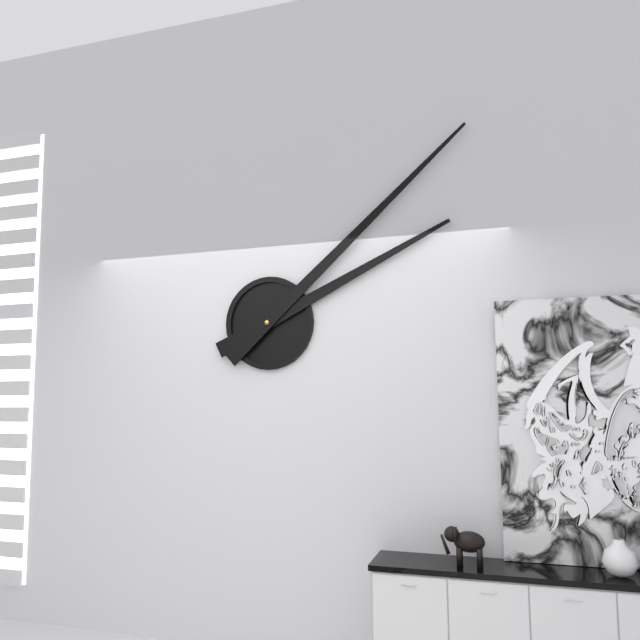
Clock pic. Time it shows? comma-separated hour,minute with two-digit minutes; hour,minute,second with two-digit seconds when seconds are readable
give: 2,08
